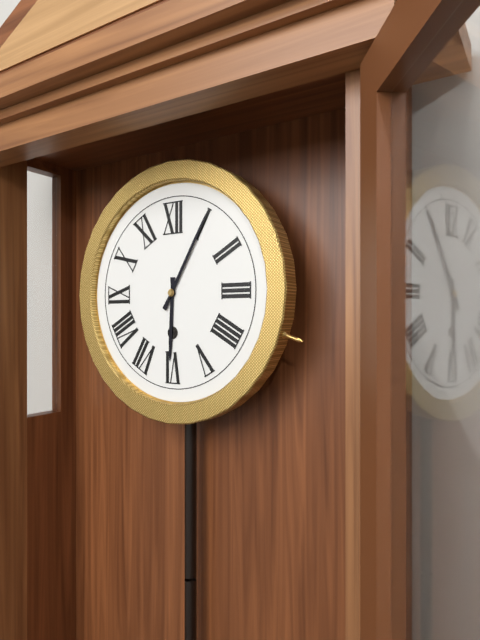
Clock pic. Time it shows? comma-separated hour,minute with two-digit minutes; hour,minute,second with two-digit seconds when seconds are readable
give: 6,05
